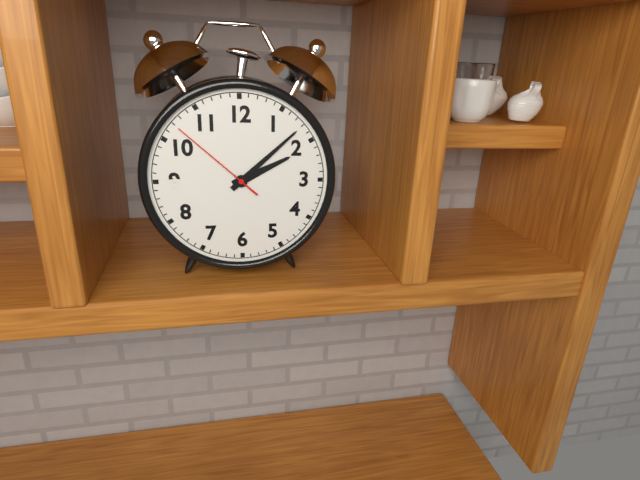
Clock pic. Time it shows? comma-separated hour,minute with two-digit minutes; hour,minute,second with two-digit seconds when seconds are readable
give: 2,08,52
